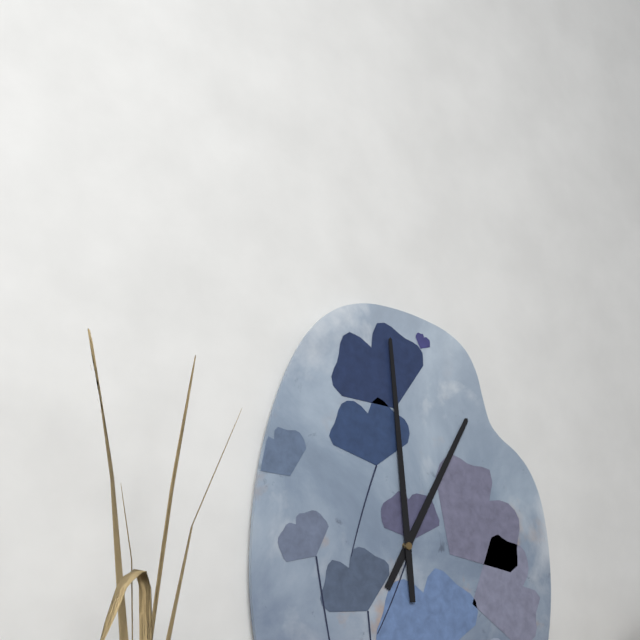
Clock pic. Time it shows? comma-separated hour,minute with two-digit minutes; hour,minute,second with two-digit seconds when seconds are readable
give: 12,59
